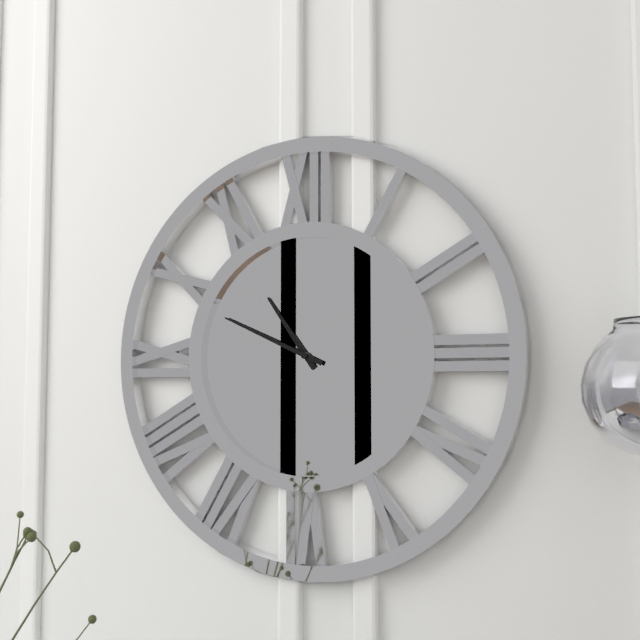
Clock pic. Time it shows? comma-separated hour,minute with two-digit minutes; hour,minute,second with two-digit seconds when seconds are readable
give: 10,49
